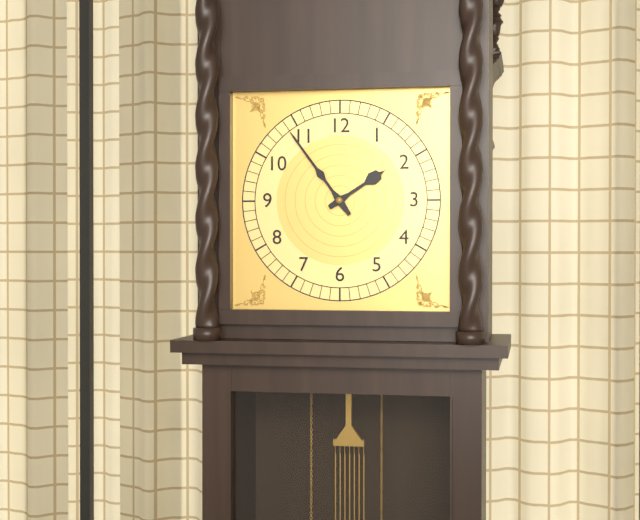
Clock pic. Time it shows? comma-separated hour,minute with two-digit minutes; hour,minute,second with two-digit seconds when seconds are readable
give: 1,54
